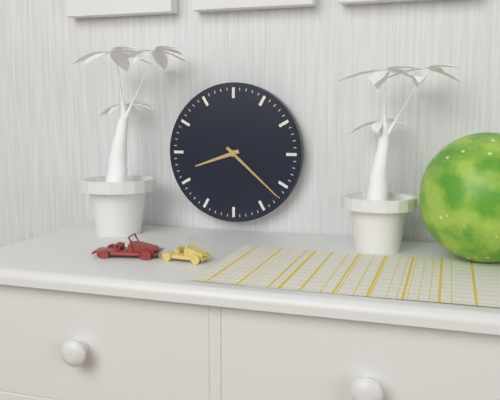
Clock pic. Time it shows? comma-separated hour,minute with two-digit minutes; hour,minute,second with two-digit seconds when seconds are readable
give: 8,22
